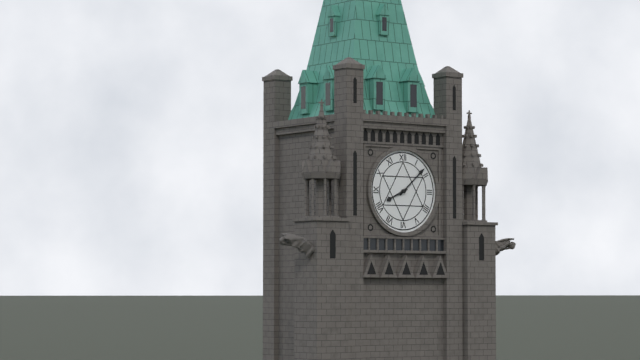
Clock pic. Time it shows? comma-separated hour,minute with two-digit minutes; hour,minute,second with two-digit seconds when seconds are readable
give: 8,08
